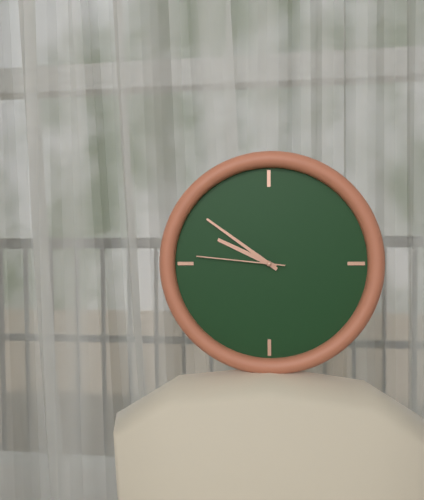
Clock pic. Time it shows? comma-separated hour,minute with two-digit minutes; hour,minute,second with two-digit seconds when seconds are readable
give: 9,51,46
